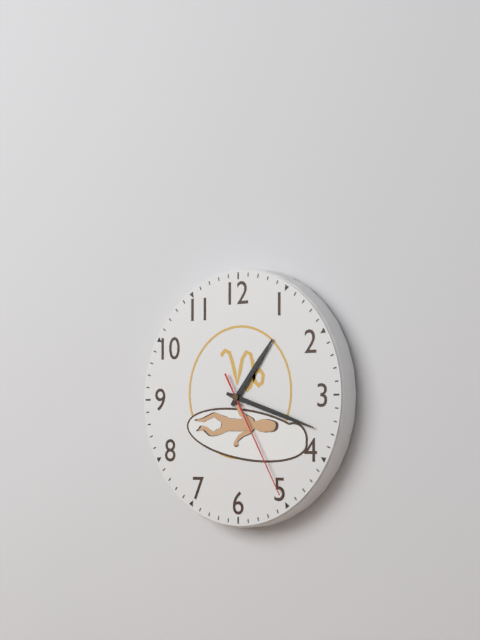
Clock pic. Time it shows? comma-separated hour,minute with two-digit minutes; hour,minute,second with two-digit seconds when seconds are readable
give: 1,18,25
